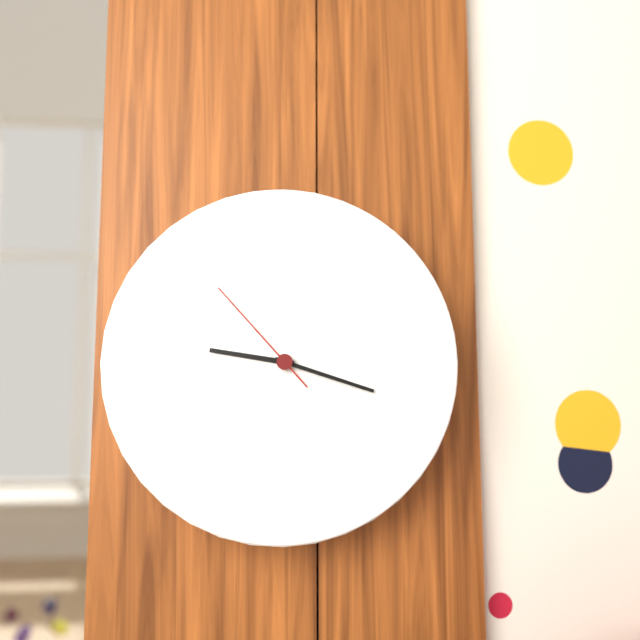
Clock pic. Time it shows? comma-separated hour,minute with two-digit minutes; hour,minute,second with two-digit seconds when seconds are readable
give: 9,18,53
